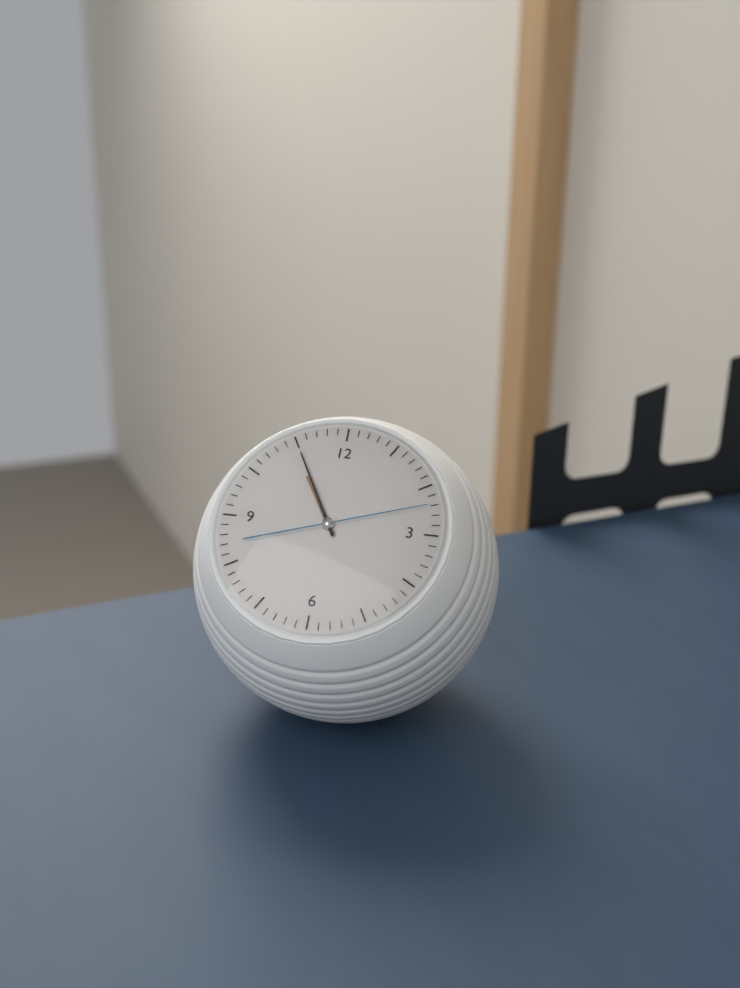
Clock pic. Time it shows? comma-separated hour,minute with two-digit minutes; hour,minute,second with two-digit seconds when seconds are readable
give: 10,55,12
